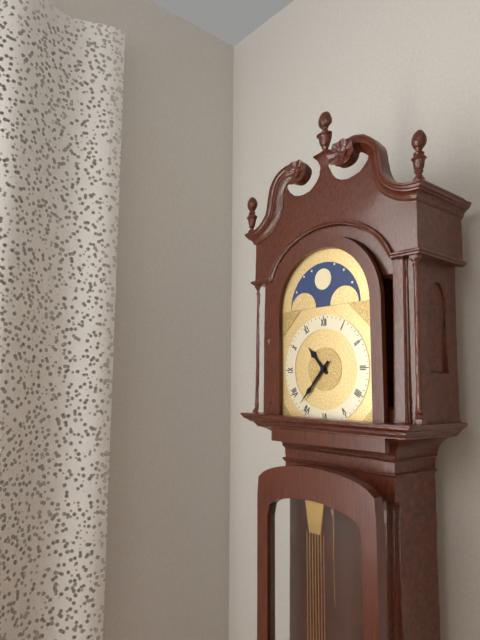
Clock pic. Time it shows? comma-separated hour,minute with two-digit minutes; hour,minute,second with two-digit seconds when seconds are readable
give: 10,37
